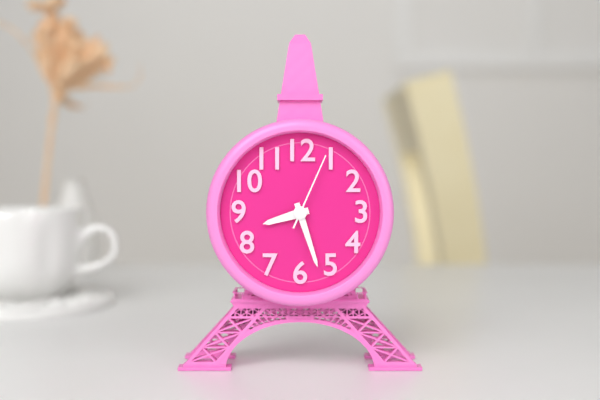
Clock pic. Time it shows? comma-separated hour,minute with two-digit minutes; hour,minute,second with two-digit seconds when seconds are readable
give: 8,27,04
